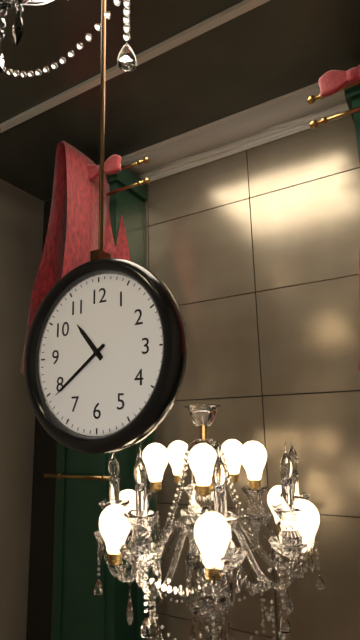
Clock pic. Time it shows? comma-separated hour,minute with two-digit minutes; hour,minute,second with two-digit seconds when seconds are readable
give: 10,39
